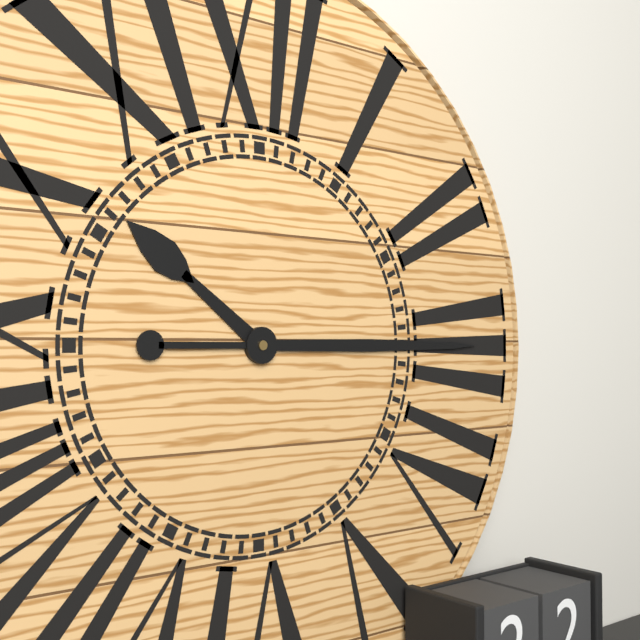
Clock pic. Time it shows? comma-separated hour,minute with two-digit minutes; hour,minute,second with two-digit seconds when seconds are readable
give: 10,15
